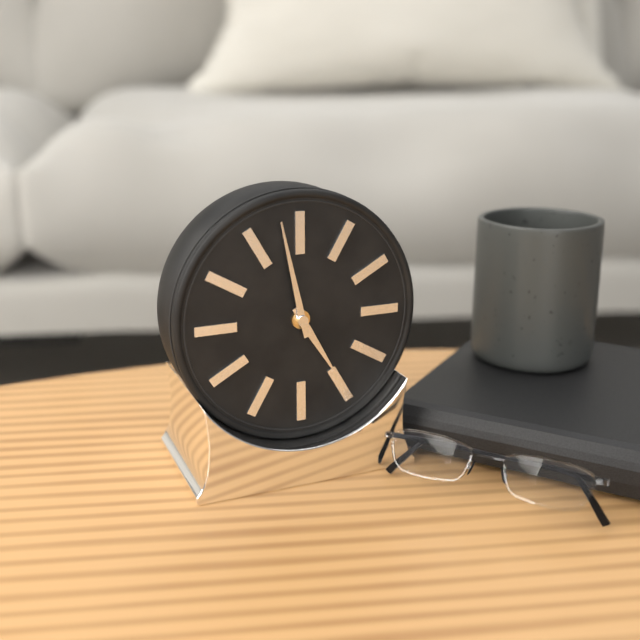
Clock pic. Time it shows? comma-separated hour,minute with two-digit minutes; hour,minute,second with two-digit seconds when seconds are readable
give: 4,58
